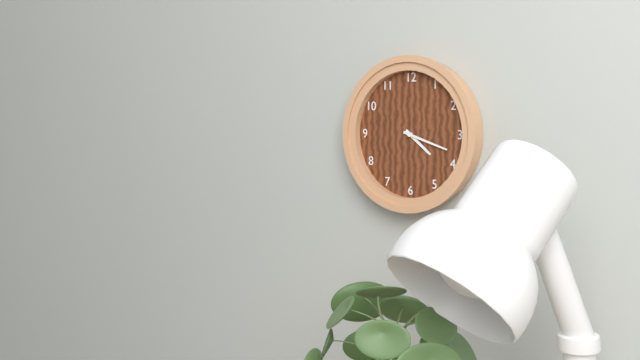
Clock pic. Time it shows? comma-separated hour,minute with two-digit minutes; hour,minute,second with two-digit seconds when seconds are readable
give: 4,18
